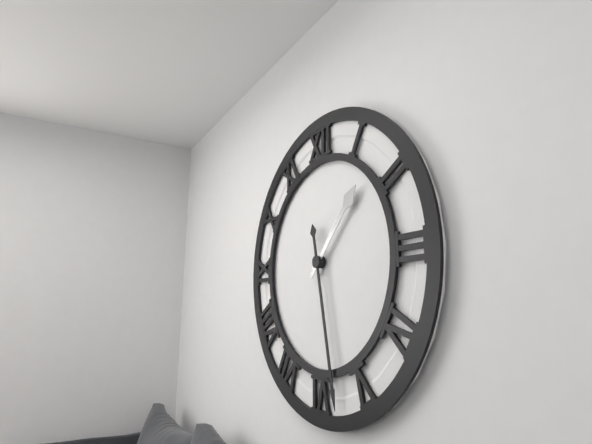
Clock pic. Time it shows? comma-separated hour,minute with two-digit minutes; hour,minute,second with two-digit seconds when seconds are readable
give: 1,28
